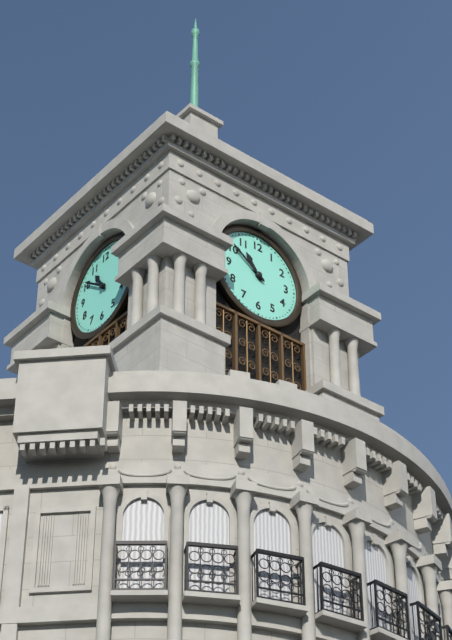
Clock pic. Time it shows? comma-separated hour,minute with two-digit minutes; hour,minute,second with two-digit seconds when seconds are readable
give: 10,51
